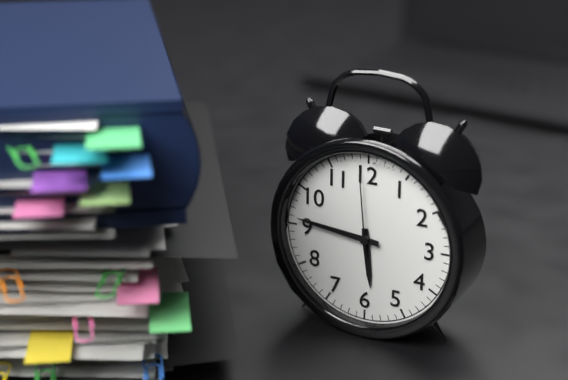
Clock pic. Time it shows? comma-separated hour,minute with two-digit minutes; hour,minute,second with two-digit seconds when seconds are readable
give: 5,46,59
